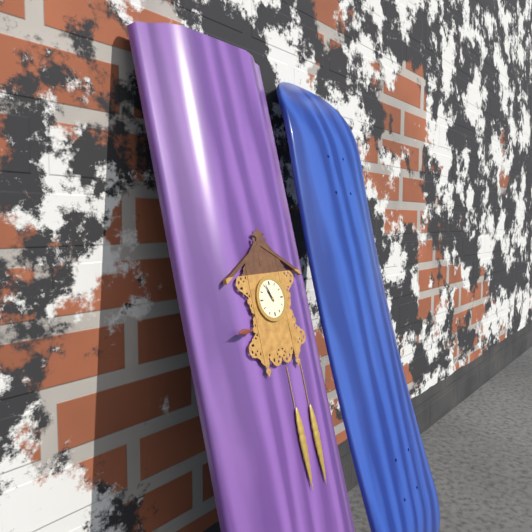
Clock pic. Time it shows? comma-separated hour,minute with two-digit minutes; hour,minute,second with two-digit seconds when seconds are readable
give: 10,56
